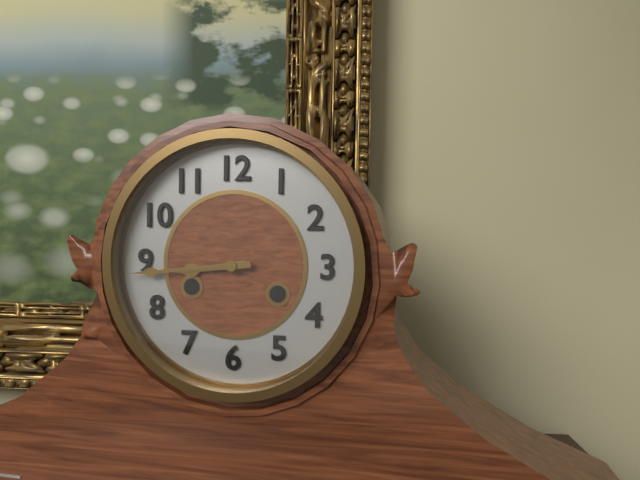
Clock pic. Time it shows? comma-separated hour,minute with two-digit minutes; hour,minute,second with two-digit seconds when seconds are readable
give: 8,44
